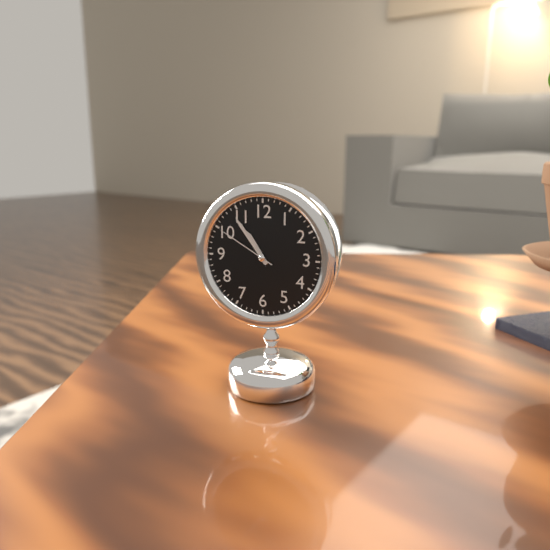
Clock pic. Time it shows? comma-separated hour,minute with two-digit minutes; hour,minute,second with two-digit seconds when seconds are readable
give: 10,54,50
